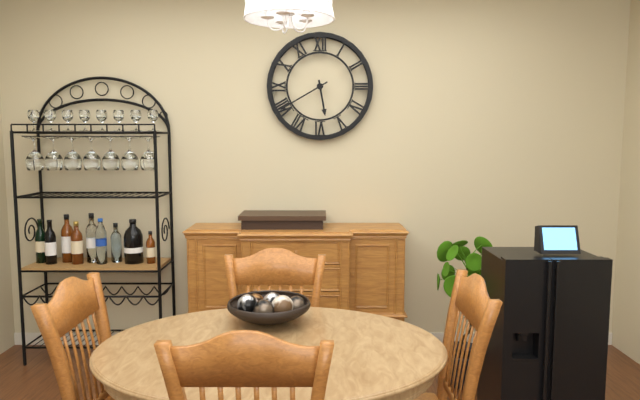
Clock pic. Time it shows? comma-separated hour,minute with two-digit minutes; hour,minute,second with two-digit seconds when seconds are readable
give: 5,40
